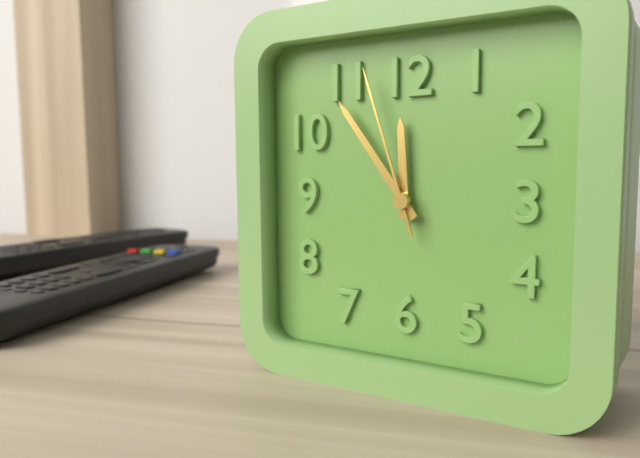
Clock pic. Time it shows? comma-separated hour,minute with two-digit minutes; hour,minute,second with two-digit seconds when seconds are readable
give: 11,54,57
